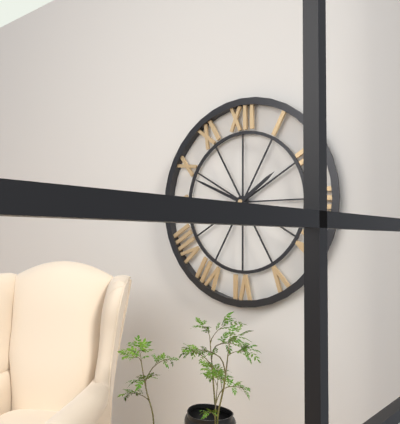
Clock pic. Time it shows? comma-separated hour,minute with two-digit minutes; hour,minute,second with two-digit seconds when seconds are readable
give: 1,49
